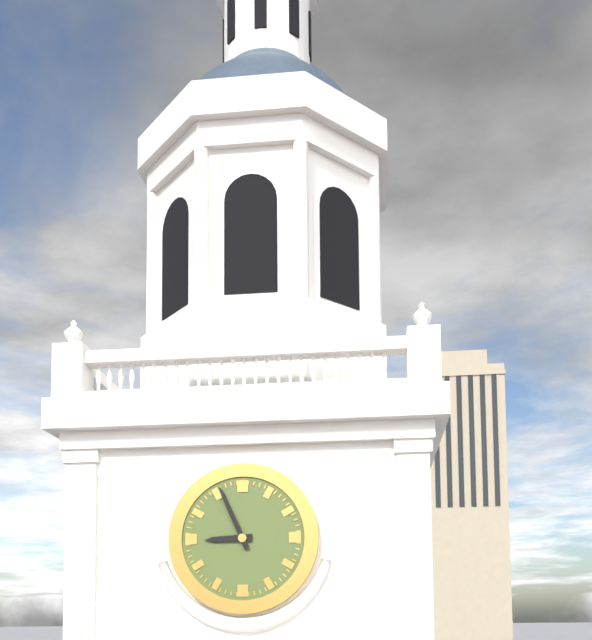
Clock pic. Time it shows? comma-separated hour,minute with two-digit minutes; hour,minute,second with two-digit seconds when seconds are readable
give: 8,56
